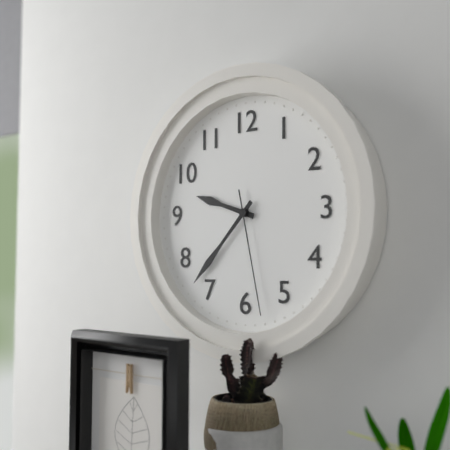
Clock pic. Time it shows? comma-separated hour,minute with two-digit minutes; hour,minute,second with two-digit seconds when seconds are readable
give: 9,37,28
